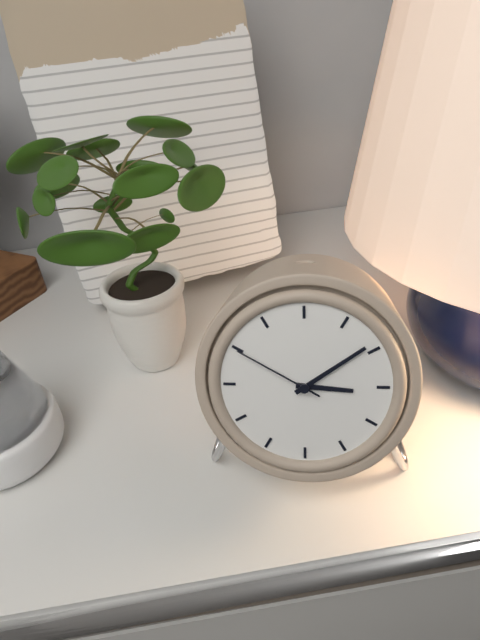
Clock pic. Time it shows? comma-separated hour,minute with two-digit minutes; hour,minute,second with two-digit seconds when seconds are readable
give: 3,09,50
